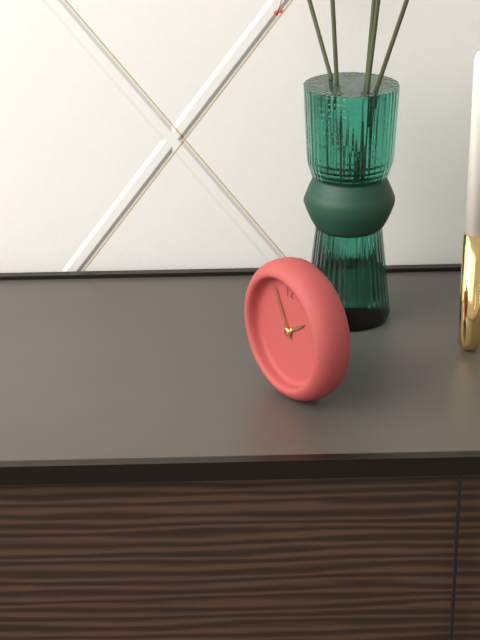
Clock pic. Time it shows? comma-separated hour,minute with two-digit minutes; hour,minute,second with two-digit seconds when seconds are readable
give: 1,55
